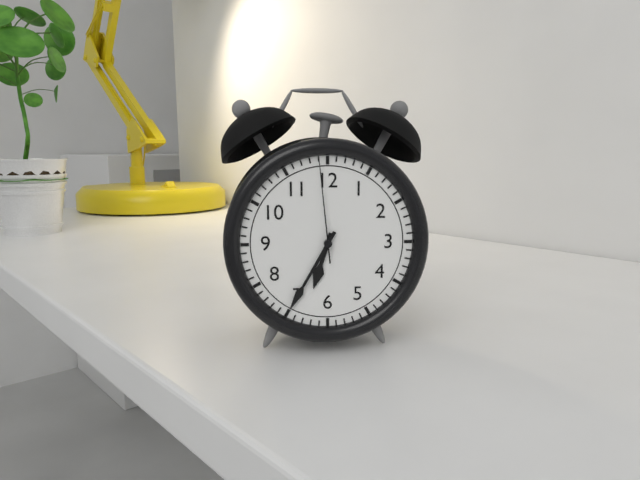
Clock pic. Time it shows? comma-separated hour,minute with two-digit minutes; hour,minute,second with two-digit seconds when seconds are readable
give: 6,35,59
